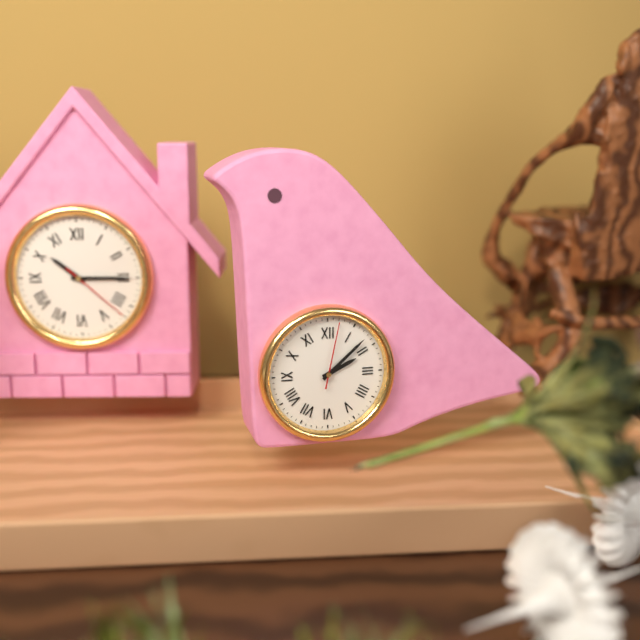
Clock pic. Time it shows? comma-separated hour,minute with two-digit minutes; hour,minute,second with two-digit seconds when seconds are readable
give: 2,08,02
